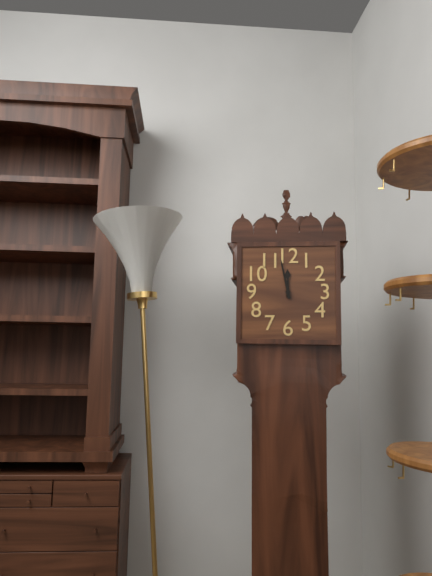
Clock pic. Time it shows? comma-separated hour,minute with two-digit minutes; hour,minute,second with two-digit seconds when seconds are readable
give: 11,58
